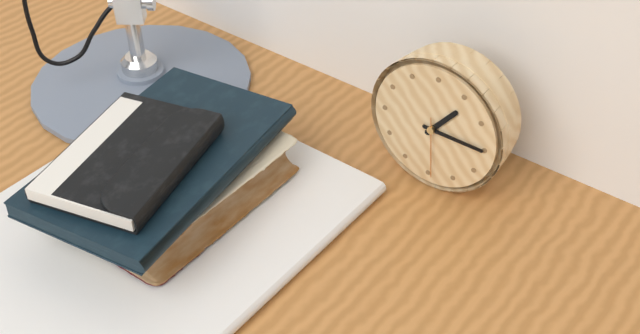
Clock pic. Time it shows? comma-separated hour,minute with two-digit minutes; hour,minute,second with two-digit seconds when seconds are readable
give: 1,15,29
